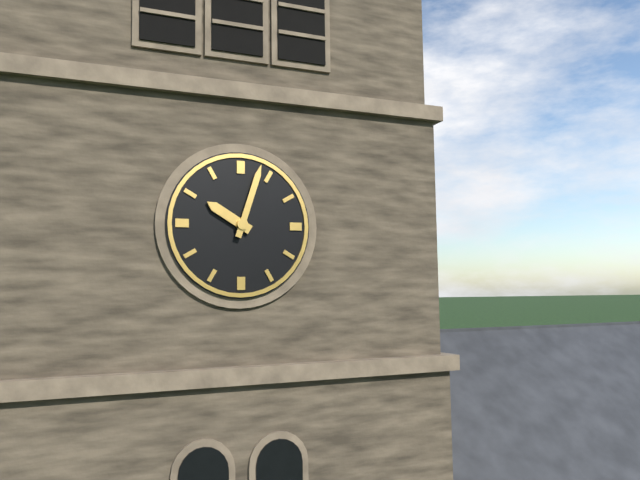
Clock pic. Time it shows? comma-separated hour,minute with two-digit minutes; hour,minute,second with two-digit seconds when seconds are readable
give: 10,03
